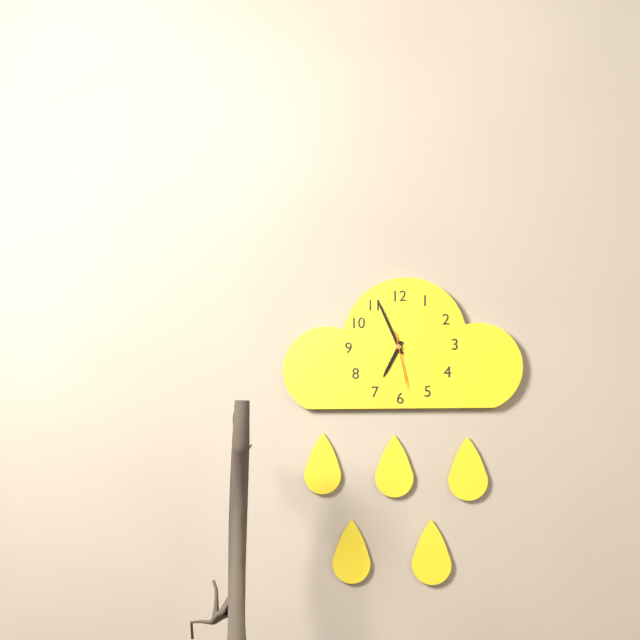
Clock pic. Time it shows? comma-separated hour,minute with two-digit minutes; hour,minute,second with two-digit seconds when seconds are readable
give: 6,56,28
